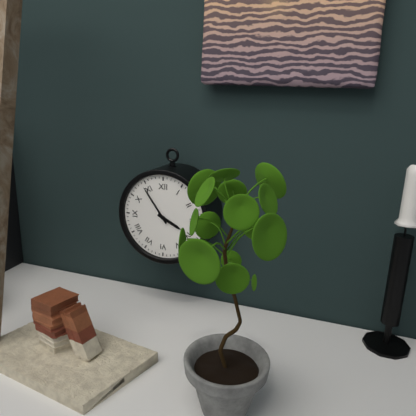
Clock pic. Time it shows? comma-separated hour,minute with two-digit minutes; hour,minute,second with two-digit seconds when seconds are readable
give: 3,54
